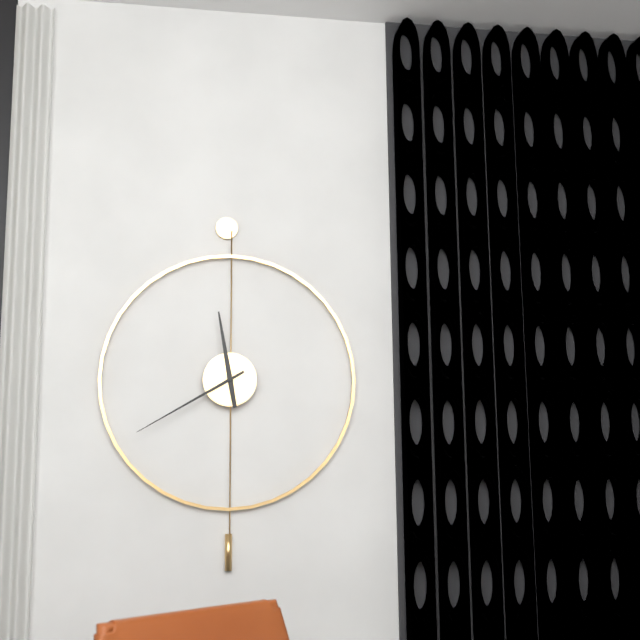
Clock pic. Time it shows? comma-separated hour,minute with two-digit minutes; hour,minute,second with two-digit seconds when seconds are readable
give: 11,40
